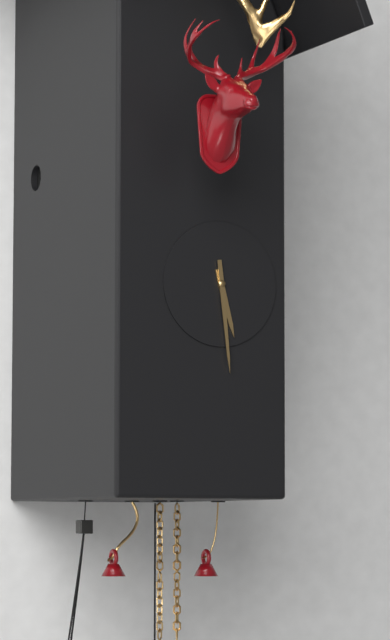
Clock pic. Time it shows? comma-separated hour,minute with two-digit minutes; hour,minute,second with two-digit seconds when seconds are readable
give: 5,29
